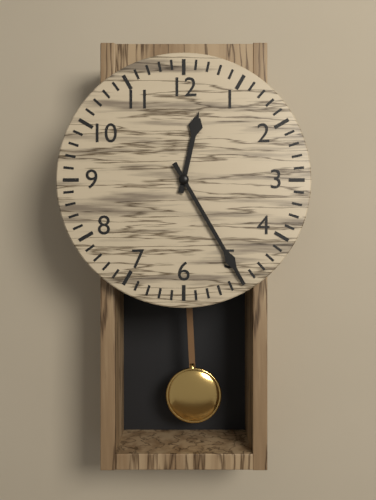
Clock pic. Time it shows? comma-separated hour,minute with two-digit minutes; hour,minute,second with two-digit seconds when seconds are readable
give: 12,25
